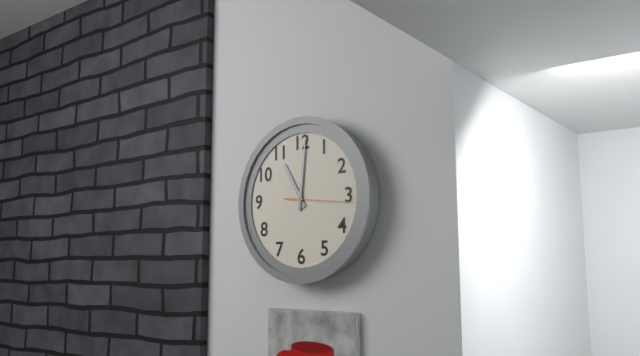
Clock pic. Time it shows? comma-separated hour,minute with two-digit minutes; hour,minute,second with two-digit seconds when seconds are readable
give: 11,01,16
